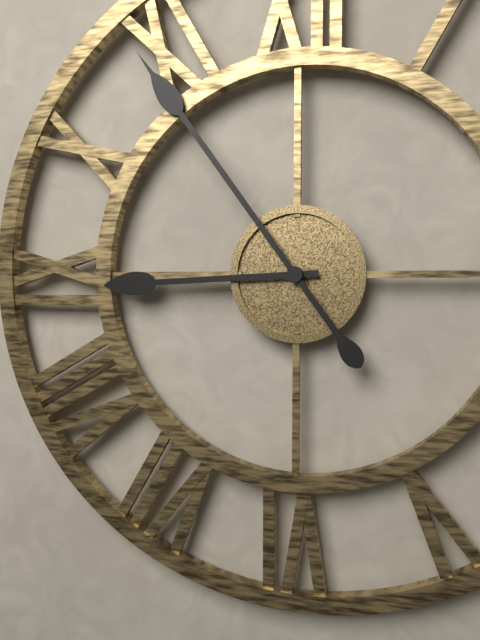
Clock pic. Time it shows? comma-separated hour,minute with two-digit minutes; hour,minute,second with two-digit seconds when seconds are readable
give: 8,54
